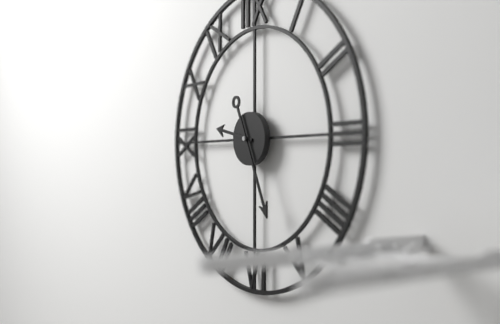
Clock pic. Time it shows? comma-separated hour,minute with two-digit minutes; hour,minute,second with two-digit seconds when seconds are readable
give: 9,26
